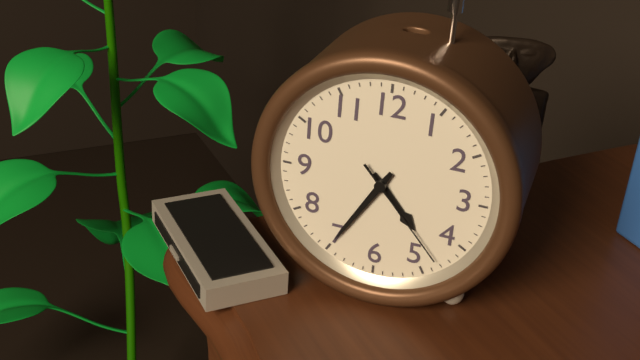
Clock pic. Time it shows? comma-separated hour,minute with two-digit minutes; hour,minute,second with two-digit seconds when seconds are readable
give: 4,35,23
